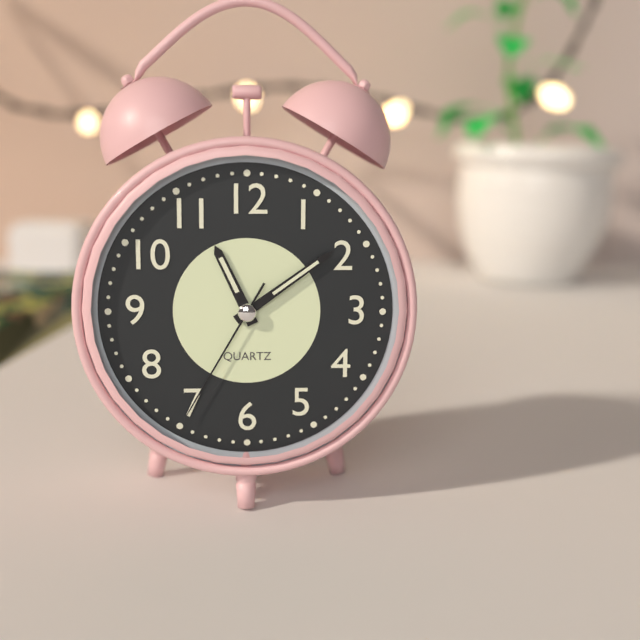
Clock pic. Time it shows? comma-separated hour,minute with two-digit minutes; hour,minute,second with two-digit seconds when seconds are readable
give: 11,09,35
